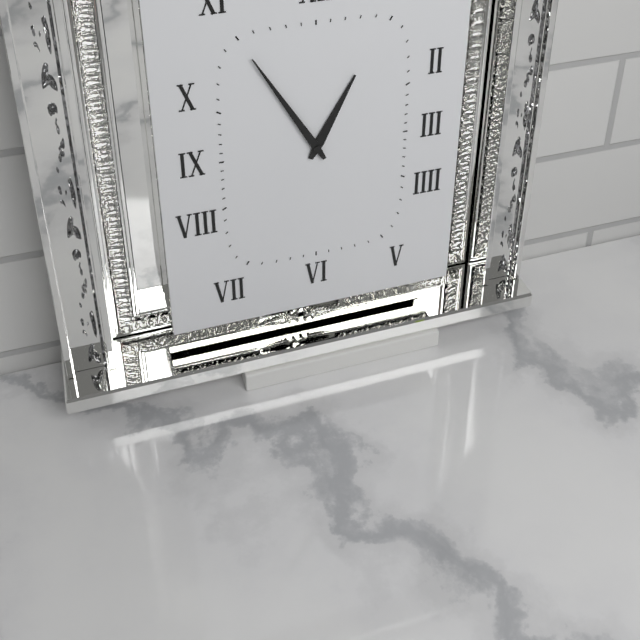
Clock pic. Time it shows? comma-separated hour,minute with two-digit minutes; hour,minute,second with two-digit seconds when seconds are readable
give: 12,55
